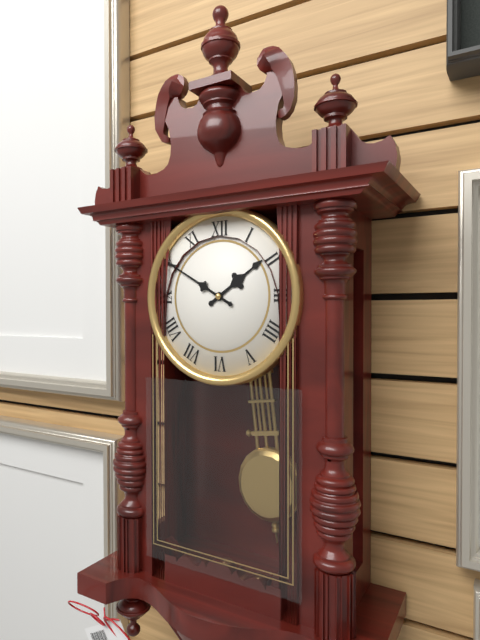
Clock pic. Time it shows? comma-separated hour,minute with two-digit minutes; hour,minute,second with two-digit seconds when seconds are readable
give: 1,50
